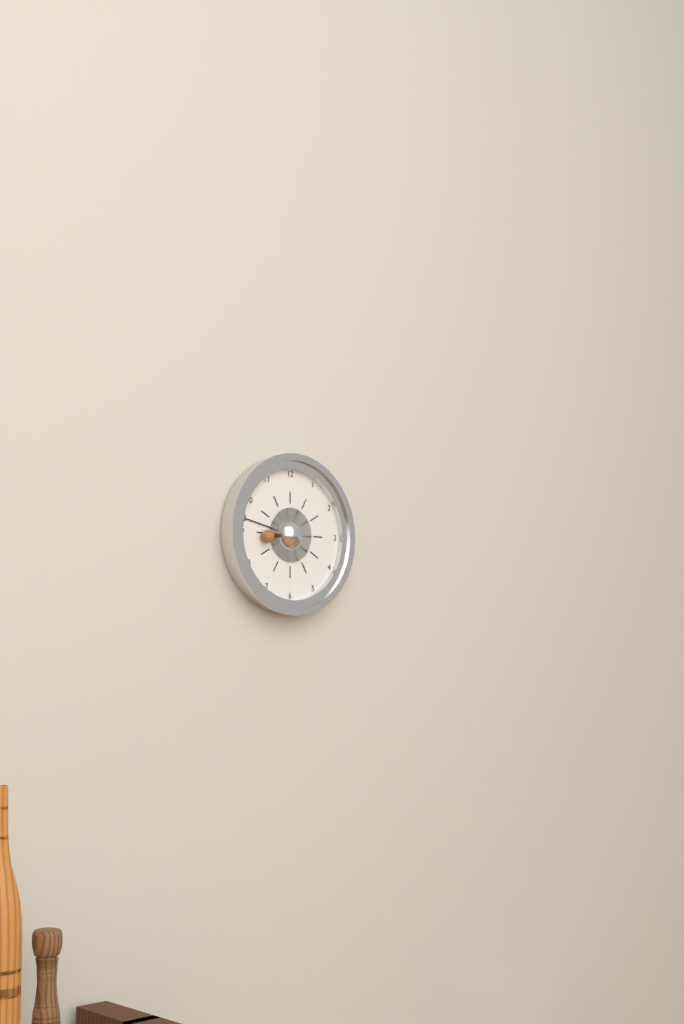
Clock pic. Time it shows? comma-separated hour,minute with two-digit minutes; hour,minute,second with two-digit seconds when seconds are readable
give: 8,47
